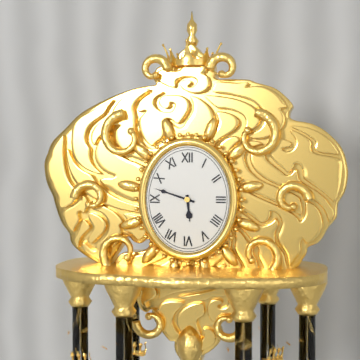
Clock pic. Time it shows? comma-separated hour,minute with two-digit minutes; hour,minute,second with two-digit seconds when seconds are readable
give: 5,48
